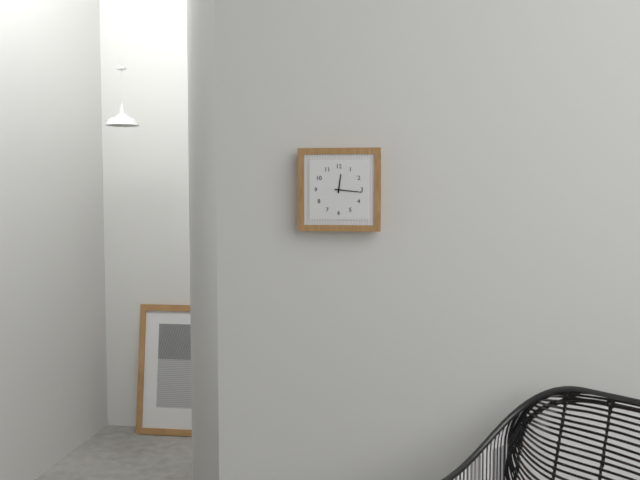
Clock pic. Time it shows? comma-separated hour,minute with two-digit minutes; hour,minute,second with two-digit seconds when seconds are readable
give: 12,16
